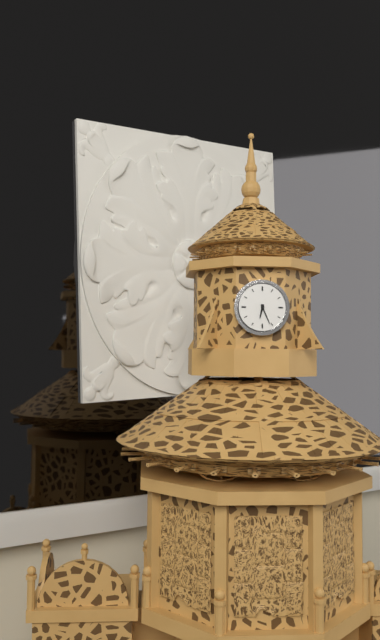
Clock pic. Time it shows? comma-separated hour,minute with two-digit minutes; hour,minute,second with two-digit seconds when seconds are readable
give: 6,26
